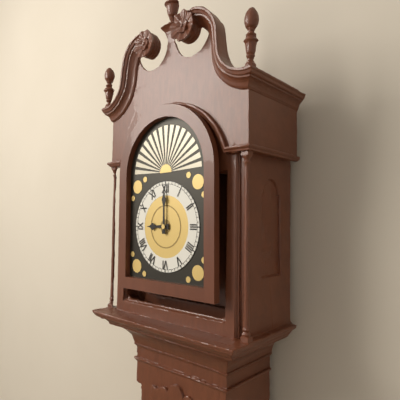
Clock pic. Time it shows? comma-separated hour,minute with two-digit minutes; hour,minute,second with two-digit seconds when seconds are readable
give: 9,00
